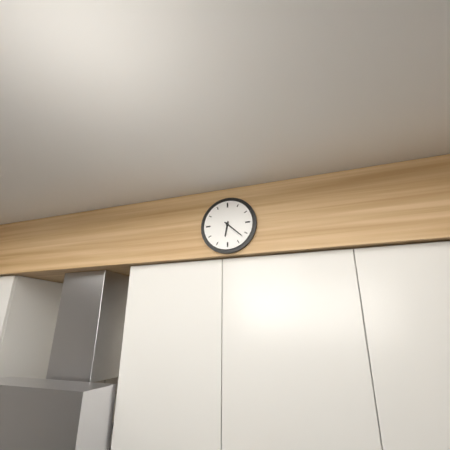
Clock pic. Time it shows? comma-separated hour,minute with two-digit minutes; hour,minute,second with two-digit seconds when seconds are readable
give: 6,22
